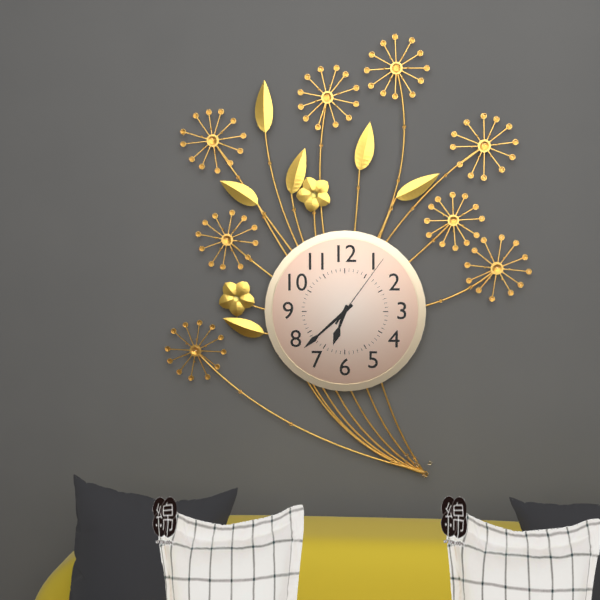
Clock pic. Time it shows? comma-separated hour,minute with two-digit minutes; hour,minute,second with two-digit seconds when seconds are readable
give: 6,38,06
